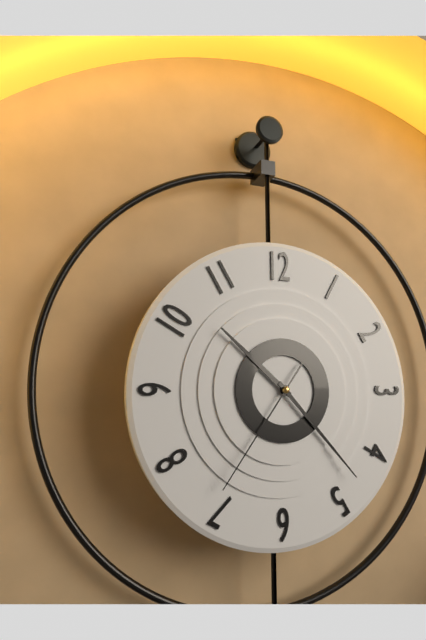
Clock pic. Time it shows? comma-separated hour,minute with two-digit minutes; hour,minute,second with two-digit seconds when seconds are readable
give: 10,23,36
